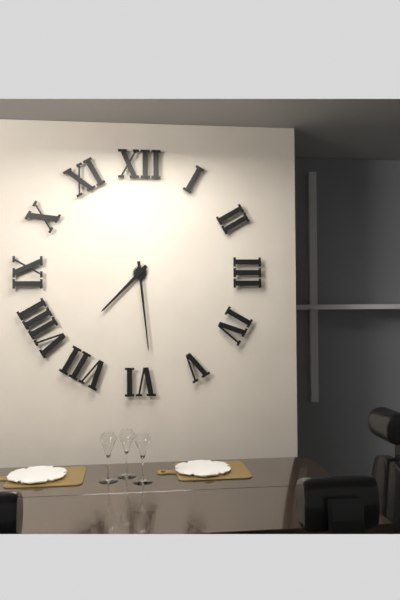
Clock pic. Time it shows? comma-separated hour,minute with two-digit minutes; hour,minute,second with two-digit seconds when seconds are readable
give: 7,29
